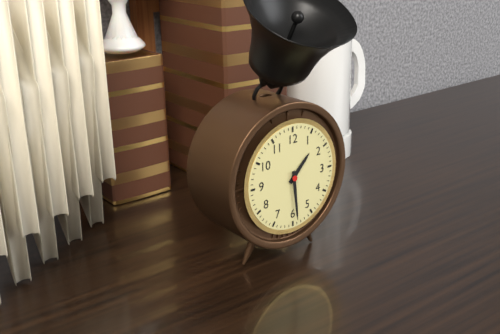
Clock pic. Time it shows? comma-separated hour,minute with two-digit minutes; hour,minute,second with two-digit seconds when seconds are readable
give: 1,29
